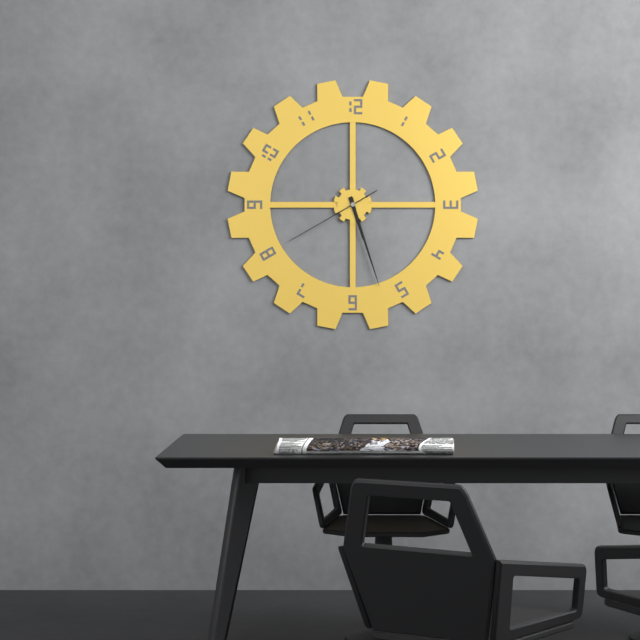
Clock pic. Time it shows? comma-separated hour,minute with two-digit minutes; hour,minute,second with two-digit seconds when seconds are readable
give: 5,27,40
